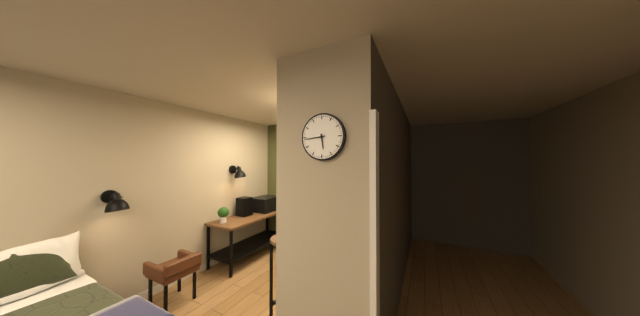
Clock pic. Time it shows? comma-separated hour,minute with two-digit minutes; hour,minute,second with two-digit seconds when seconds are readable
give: 5,44
